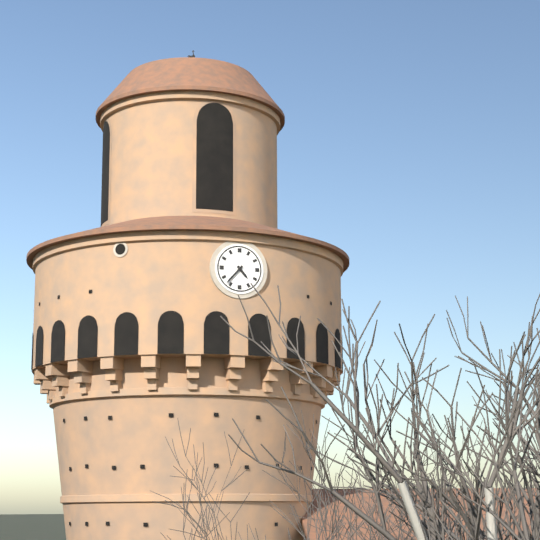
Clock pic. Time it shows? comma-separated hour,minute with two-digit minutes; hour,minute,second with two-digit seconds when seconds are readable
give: 4,37
